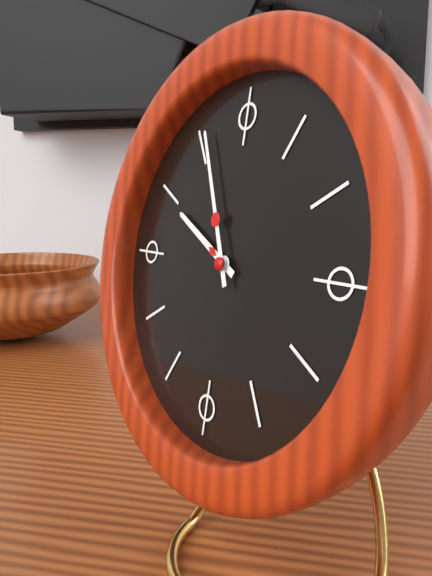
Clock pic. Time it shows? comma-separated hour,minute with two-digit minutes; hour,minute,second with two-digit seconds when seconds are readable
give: 9,56
